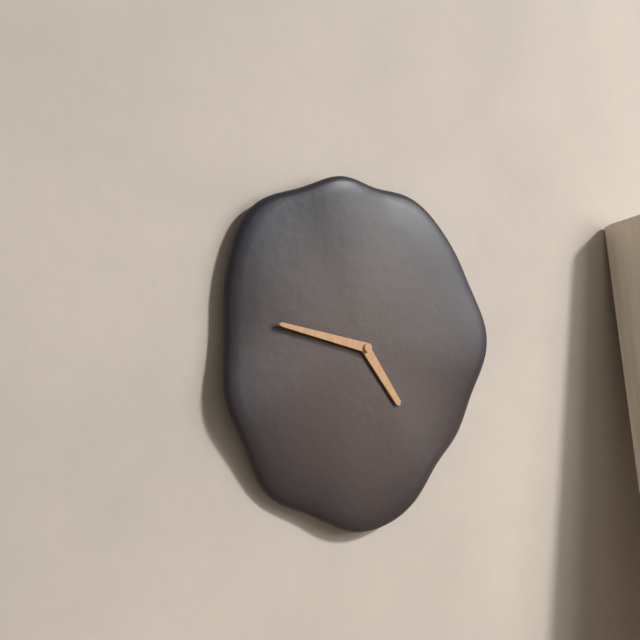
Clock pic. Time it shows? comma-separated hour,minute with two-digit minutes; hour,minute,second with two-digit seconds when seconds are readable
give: 4,47
